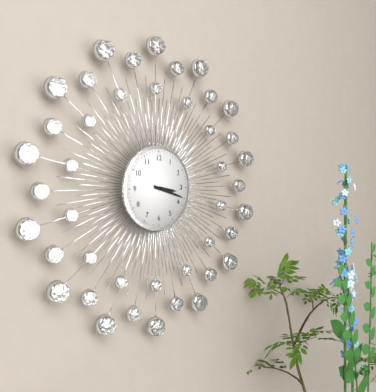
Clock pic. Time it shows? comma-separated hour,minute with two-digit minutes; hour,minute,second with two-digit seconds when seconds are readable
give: 3,18
